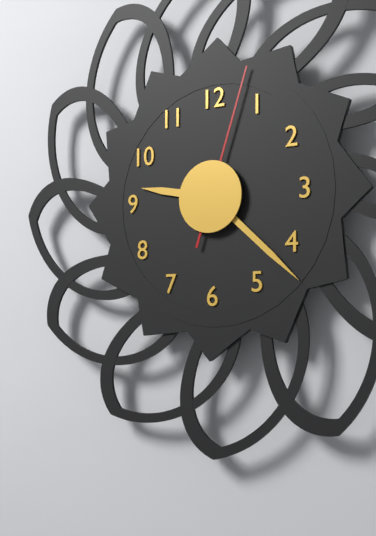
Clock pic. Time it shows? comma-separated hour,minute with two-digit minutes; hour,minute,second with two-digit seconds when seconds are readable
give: 9,22,03
